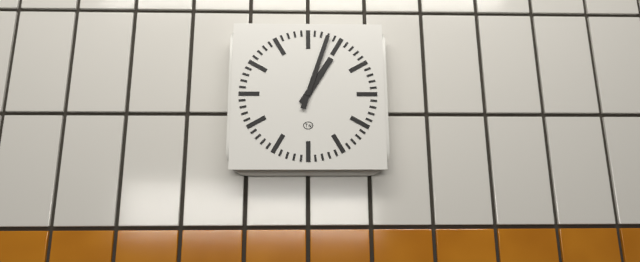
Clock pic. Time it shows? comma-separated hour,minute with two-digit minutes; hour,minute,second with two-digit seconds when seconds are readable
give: 1,03
